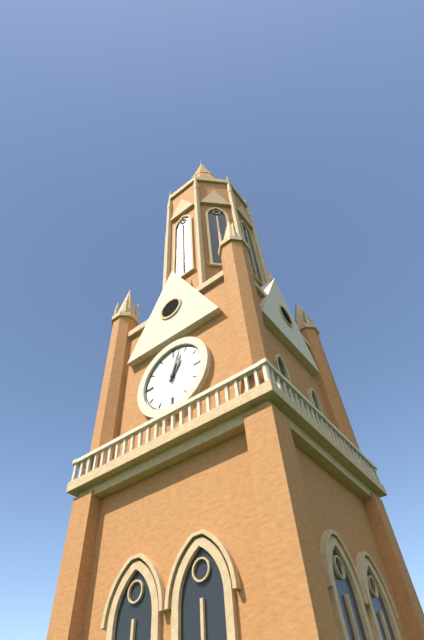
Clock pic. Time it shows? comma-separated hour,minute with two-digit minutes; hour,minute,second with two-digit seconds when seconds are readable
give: 1,03
